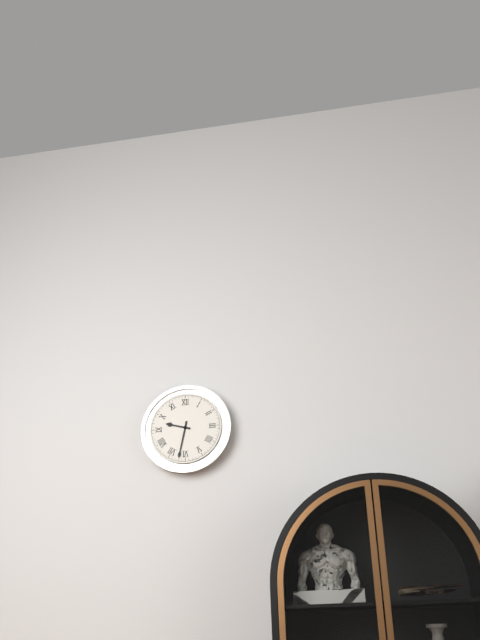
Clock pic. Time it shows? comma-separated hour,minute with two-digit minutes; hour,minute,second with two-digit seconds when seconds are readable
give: 9,32
